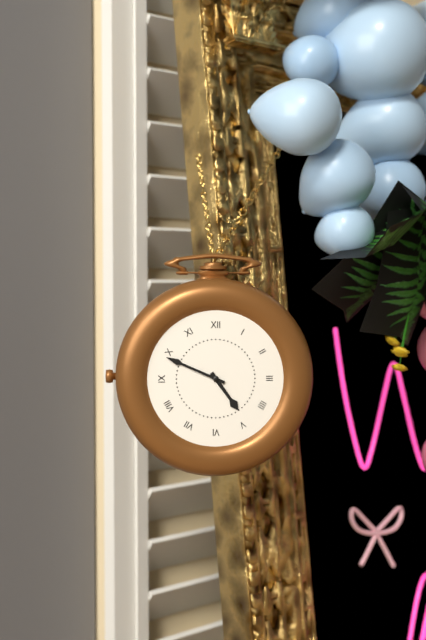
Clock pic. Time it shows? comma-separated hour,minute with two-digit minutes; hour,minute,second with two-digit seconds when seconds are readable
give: 4,49
